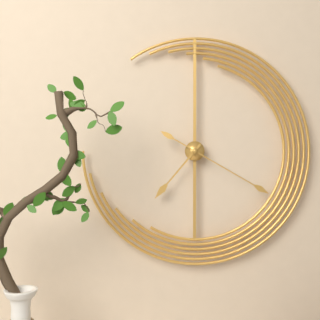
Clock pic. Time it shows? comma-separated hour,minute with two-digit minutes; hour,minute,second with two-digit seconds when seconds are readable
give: 7,20
